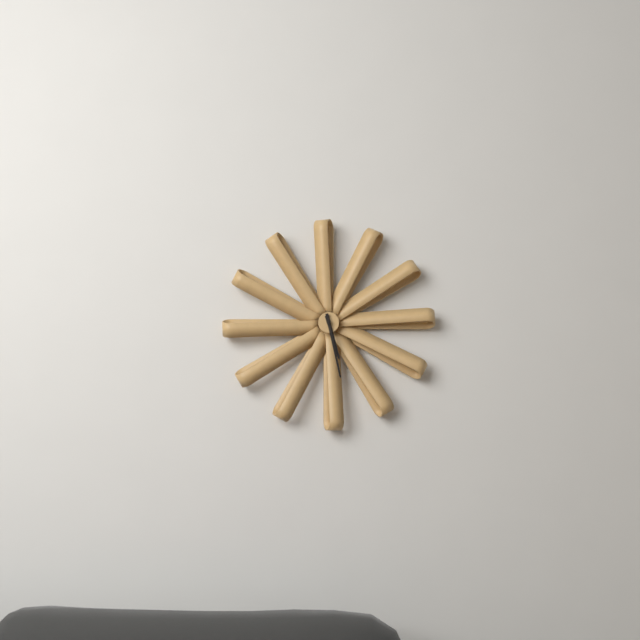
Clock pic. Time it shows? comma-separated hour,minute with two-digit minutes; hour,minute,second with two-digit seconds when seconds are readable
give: 5,28
